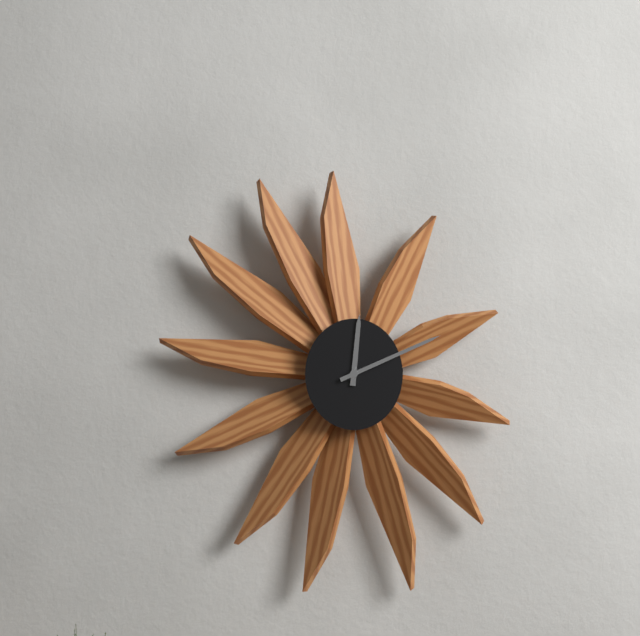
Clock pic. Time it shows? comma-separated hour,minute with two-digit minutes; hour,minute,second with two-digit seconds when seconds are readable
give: 12,11
